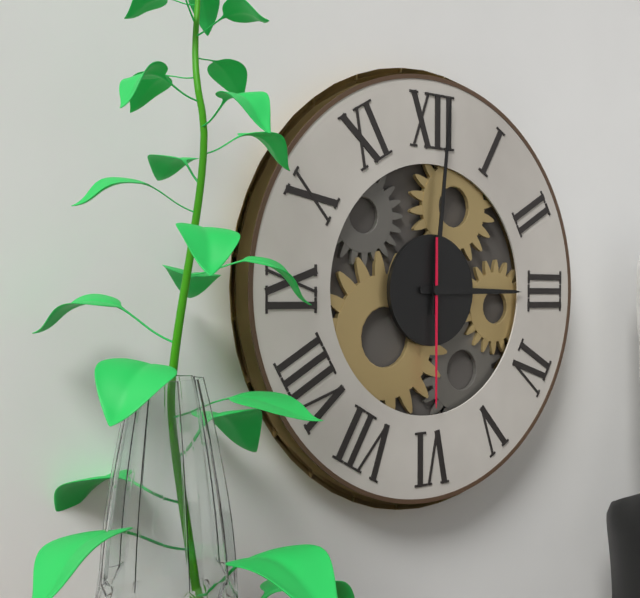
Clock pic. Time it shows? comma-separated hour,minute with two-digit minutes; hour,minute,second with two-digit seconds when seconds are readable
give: 3,01,30
